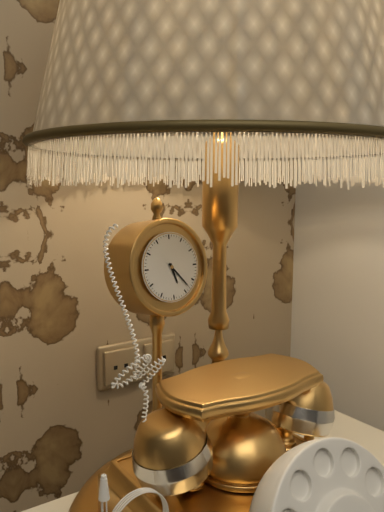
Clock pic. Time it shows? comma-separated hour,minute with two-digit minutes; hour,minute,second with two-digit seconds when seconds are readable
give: 5,23
